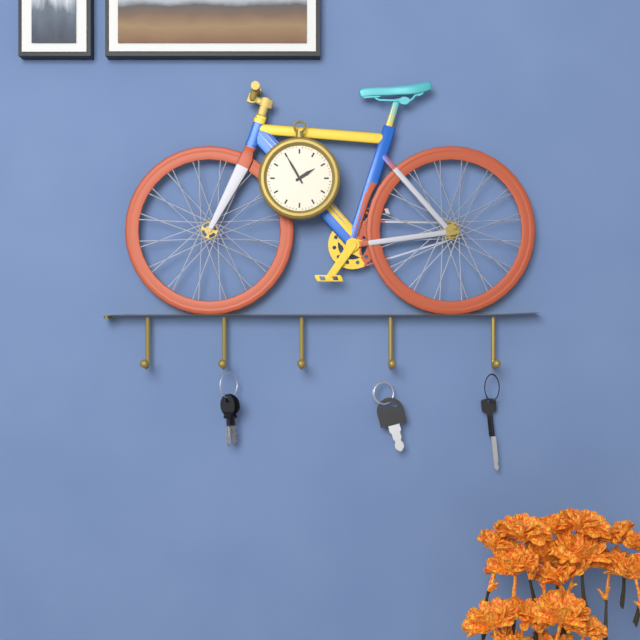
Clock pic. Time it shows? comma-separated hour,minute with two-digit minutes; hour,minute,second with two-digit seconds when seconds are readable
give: 1,55
